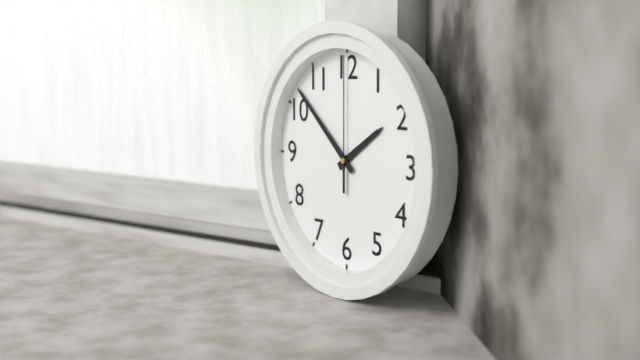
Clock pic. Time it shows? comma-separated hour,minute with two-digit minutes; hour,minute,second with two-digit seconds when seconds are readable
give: 1,52,00
